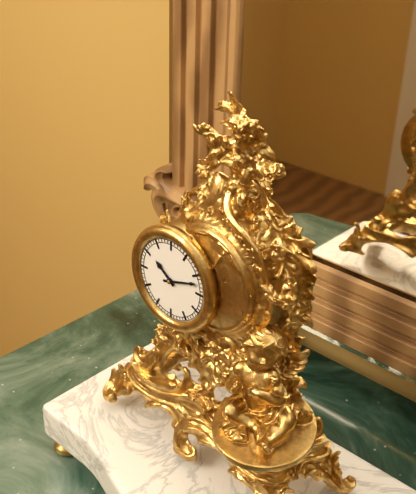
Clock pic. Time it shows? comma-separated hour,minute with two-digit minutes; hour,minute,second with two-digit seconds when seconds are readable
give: 10,12
